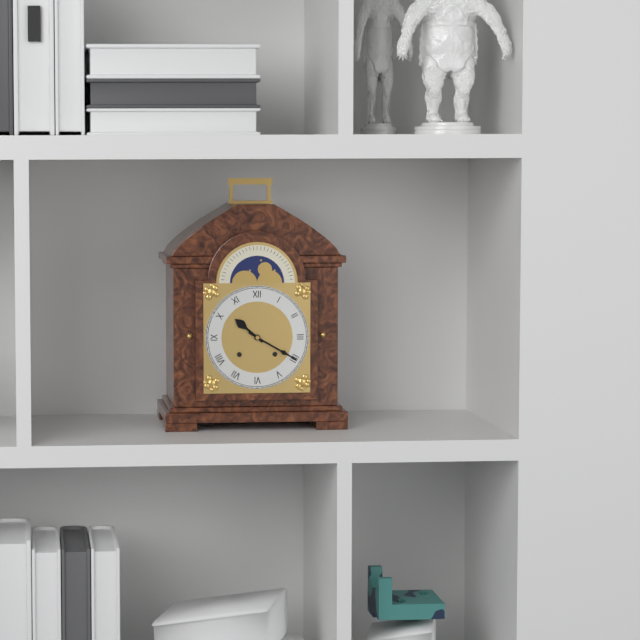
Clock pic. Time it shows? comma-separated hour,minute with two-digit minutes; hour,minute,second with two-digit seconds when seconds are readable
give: 10,20
